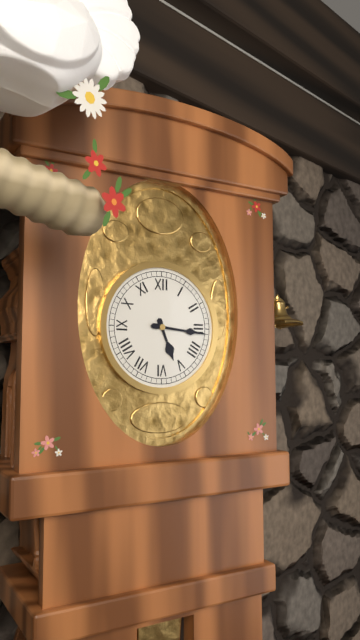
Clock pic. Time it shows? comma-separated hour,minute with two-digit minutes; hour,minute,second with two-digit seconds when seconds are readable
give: 5,16
